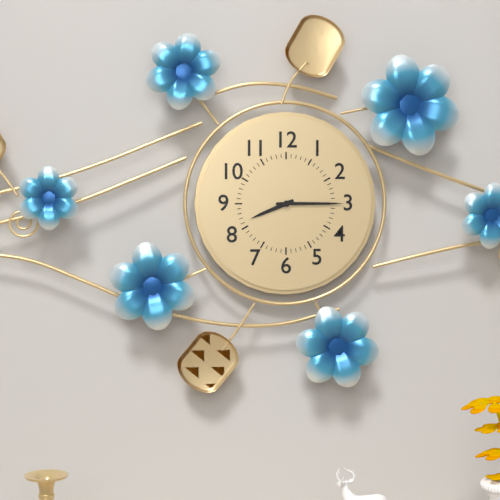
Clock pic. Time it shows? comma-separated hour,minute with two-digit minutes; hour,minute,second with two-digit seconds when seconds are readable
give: 8,15
